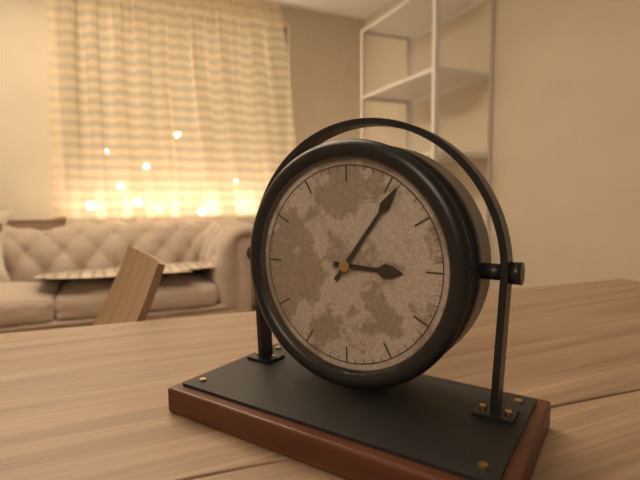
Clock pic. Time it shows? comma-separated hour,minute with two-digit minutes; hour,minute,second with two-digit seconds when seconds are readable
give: 3,06
